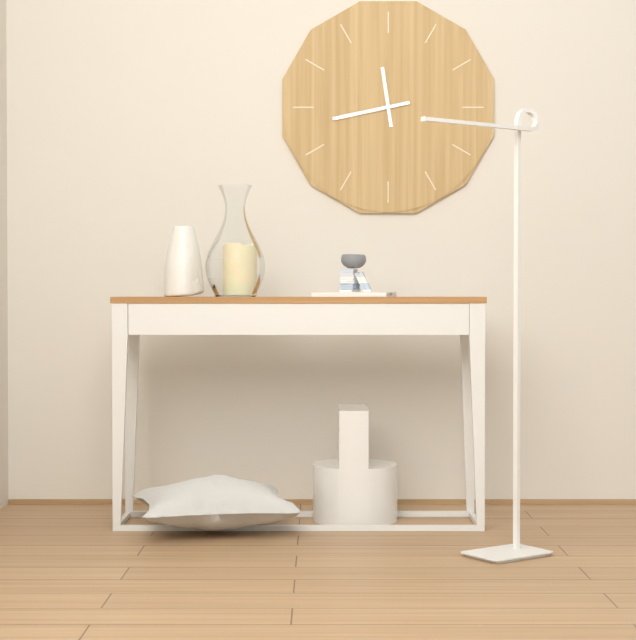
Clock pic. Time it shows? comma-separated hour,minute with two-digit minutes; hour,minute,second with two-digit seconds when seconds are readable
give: 11,43
